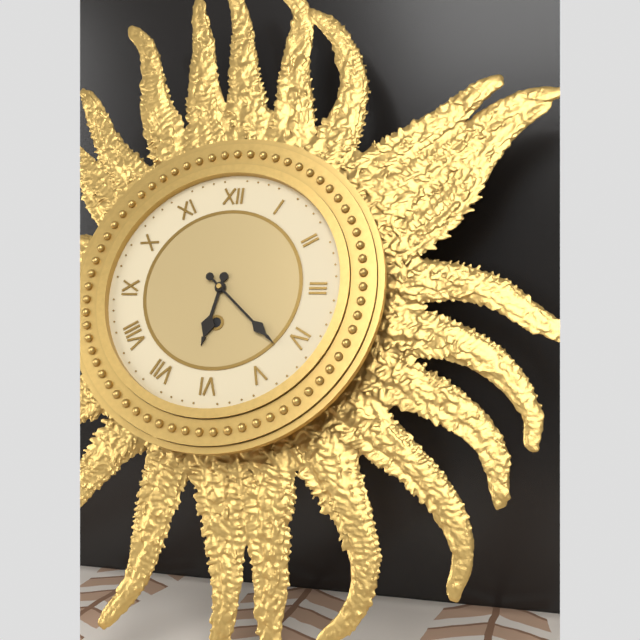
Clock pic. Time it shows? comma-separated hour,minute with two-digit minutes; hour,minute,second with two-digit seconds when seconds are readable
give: 6,22
